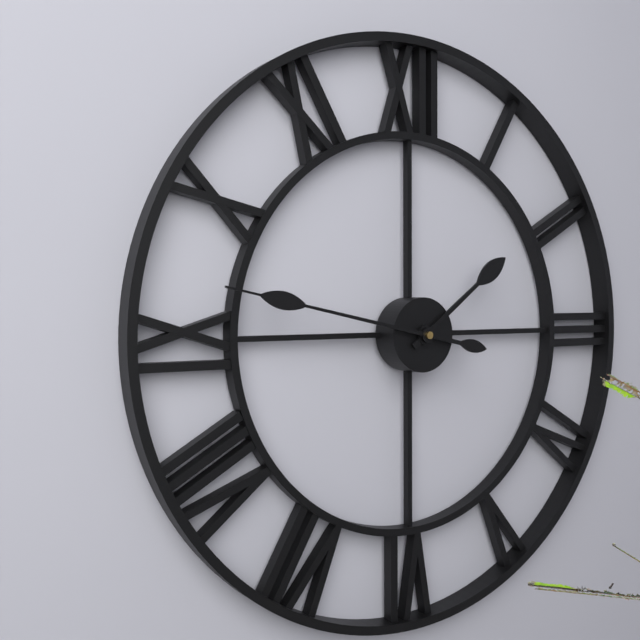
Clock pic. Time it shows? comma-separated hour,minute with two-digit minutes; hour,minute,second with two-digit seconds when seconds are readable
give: 1,47
